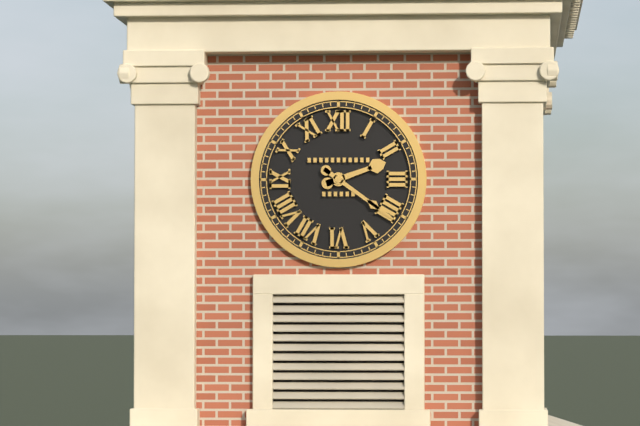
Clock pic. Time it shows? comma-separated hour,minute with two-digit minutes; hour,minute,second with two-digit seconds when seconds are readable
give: 2,21
